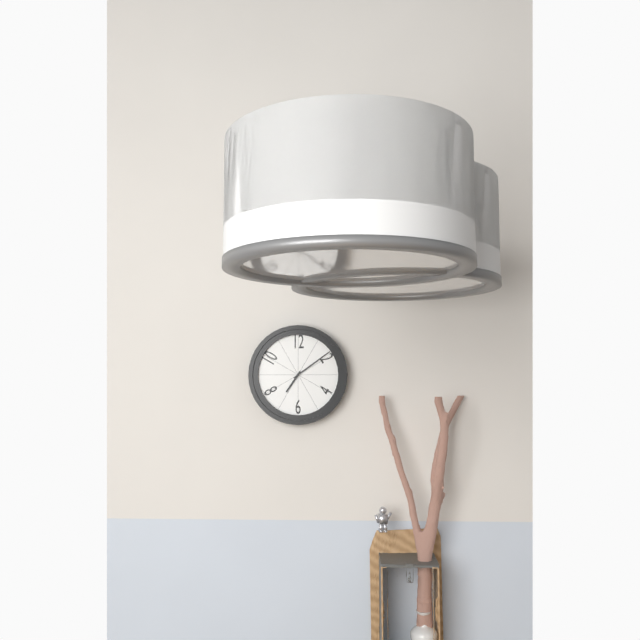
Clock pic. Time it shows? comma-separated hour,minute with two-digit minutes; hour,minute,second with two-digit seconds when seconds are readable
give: 7,09
